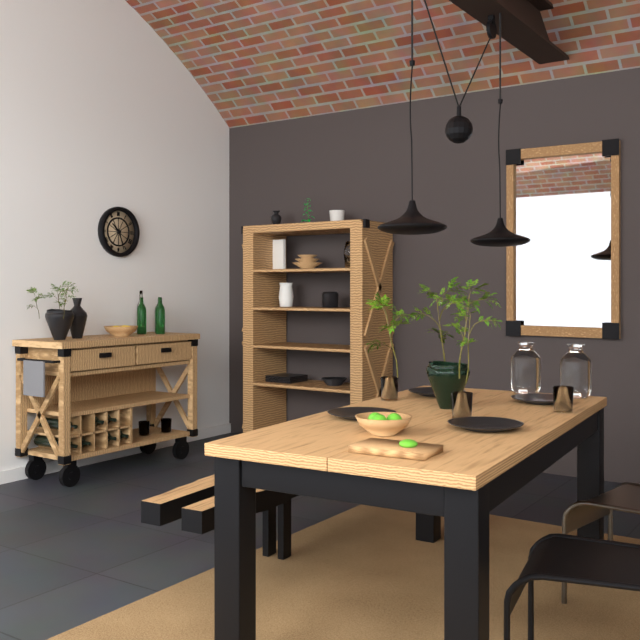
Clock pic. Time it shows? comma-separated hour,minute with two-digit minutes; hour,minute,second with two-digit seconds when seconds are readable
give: 10,27
